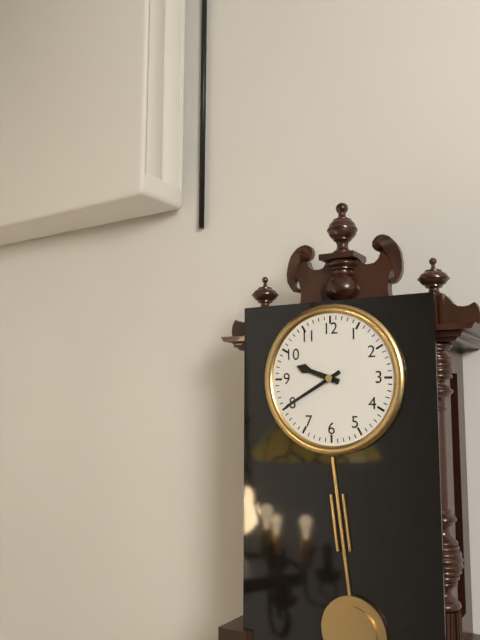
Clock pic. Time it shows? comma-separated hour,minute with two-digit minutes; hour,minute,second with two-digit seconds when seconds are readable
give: 9,40
